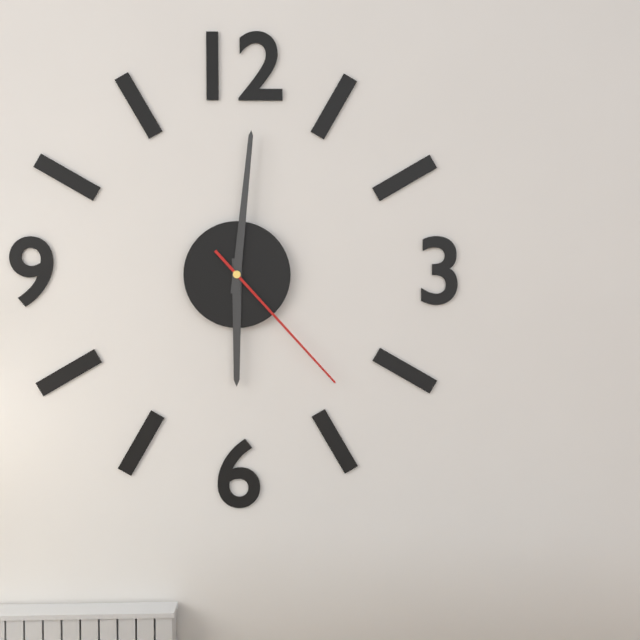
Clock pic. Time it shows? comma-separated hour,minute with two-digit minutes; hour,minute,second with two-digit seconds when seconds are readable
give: 6,01,23
